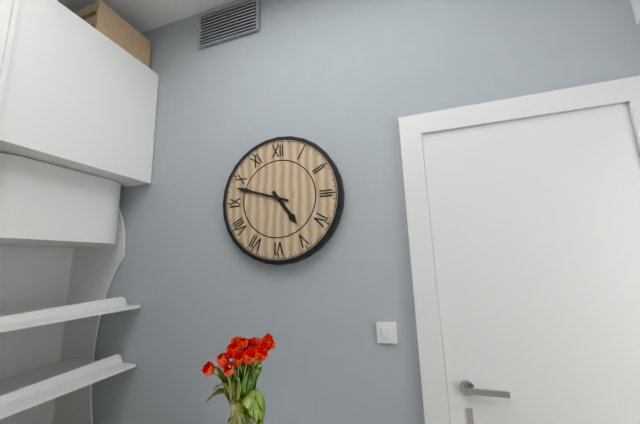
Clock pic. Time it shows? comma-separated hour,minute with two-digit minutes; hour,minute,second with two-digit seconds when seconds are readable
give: 4,48
